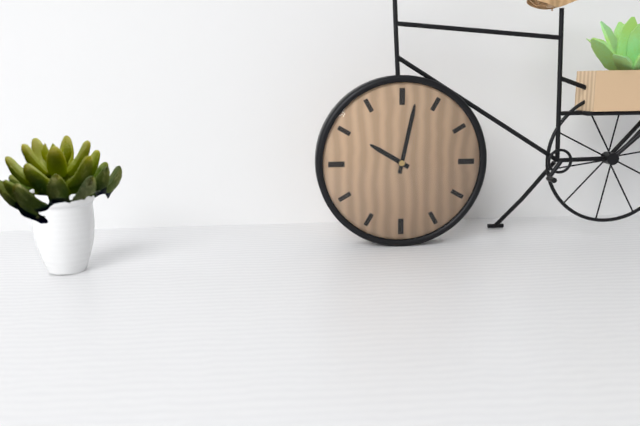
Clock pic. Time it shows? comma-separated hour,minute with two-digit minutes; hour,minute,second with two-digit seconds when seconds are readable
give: 10,02
